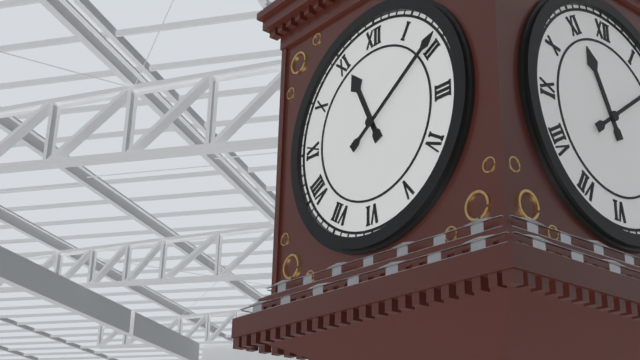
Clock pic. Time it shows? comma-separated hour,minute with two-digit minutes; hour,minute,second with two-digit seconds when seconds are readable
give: 11,09
